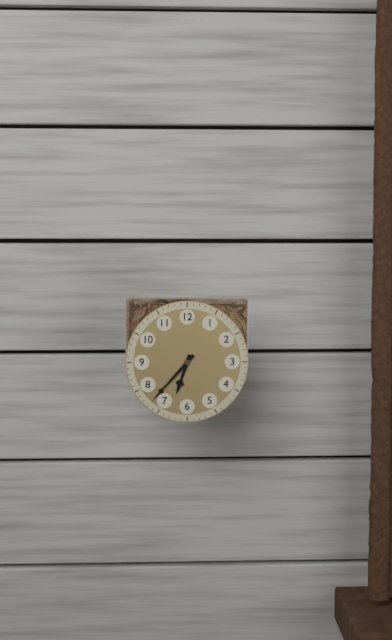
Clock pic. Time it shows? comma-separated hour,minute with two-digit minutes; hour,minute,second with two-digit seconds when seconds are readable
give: 6,37
